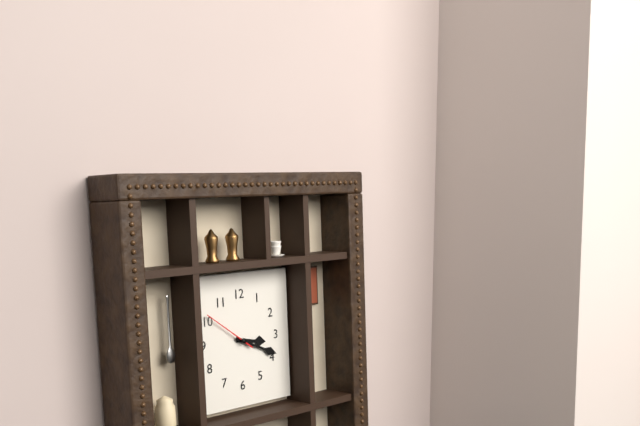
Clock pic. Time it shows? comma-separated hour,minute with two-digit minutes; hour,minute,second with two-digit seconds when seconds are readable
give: 3,19,51
